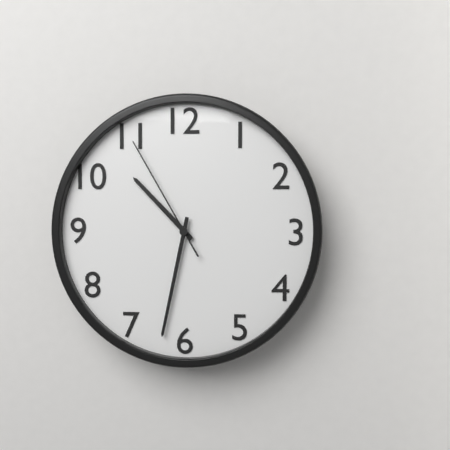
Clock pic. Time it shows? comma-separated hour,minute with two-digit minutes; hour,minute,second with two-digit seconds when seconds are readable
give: 10,32,55
